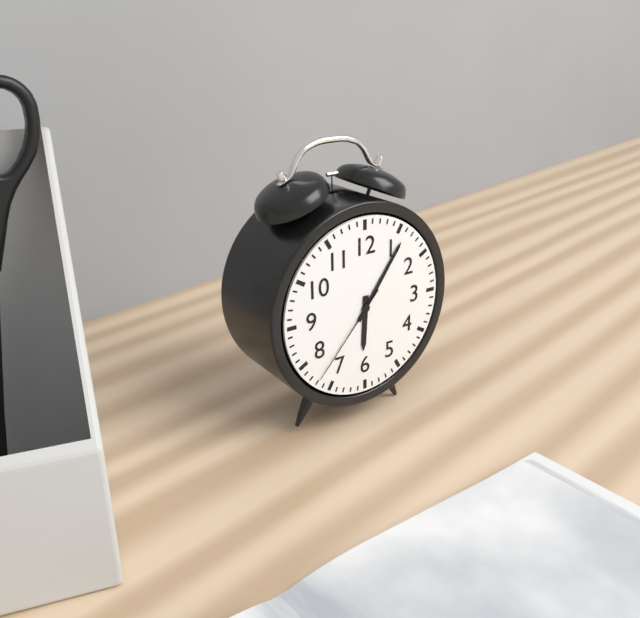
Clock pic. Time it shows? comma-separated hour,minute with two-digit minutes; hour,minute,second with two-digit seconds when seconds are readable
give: 6,06,37
